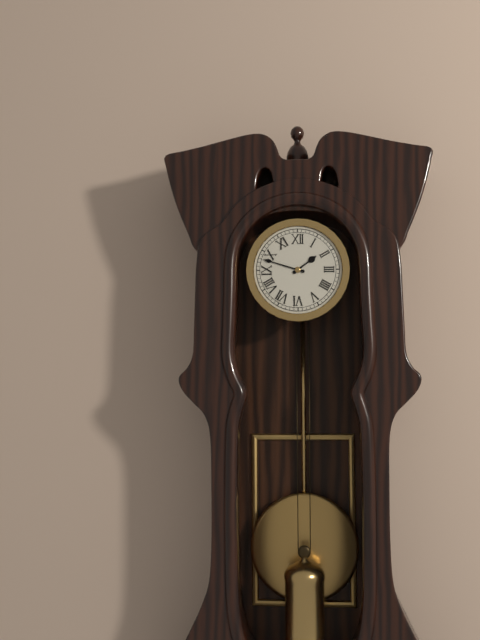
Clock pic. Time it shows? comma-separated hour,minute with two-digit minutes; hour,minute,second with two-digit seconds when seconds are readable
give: 1,48
